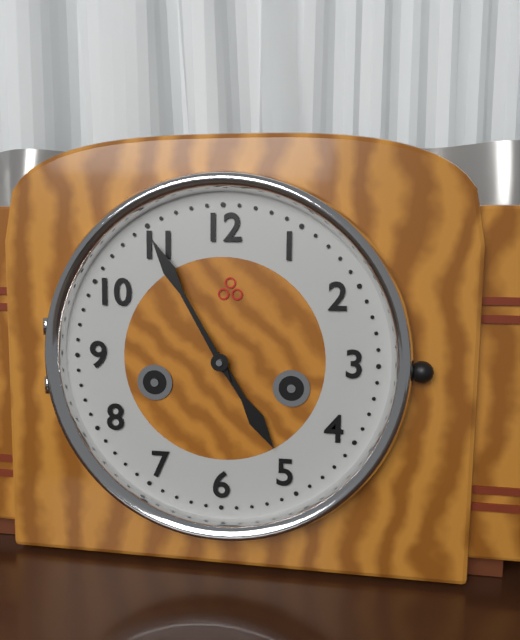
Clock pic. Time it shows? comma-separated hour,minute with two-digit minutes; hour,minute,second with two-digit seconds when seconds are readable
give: 4,55
